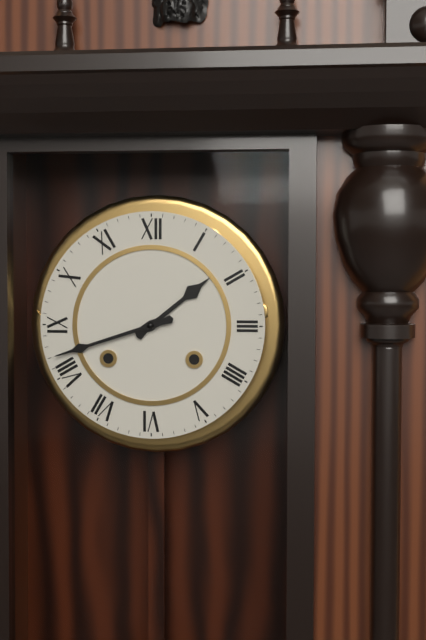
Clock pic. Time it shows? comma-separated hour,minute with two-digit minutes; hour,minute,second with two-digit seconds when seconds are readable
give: 1,42
